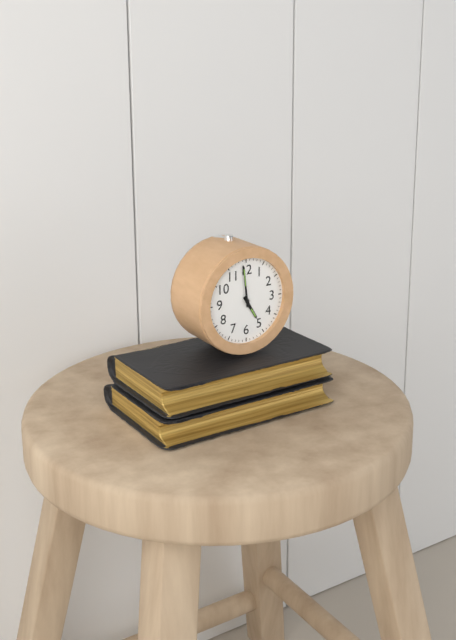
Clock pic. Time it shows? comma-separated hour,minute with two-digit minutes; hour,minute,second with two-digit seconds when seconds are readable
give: 4,59
